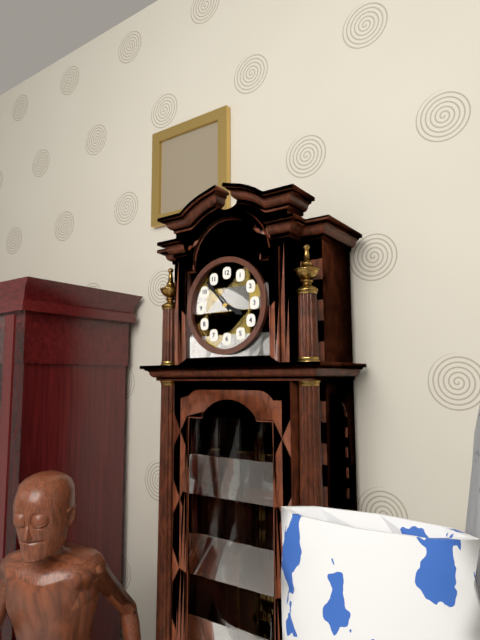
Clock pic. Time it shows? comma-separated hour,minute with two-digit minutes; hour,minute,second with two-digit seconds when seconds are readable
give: 3,53
